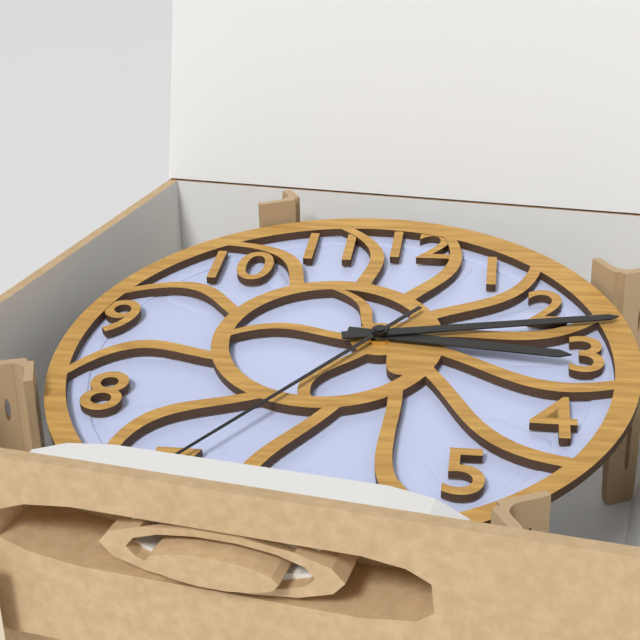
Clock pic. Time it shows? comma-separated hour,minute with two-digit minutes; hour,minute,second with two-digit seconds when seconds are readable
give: 3,13,36
